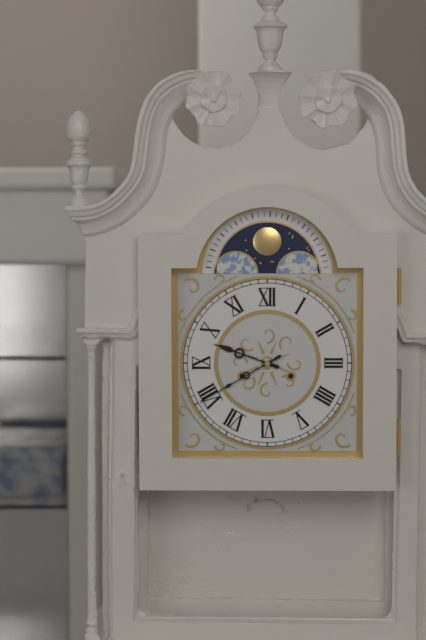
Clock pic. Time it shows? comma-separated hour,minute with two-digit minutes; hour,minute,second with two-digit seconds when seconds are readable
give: 9,40
